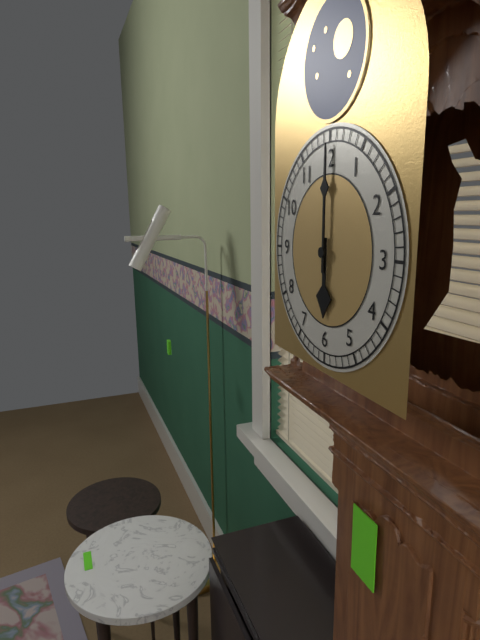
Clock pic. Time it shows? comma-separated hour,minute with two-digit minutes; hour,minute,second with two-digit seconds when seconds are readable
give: 6,00
